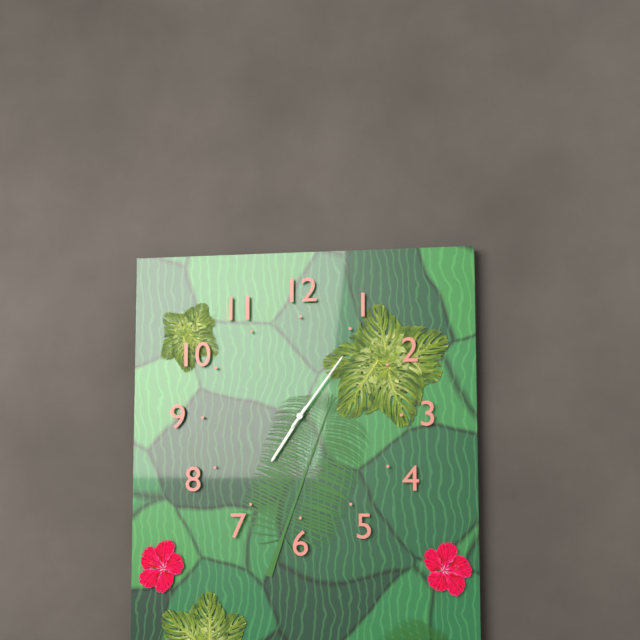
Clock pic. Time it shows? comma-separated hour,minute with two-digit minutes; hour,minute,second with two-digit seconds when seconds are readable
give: 7,06
